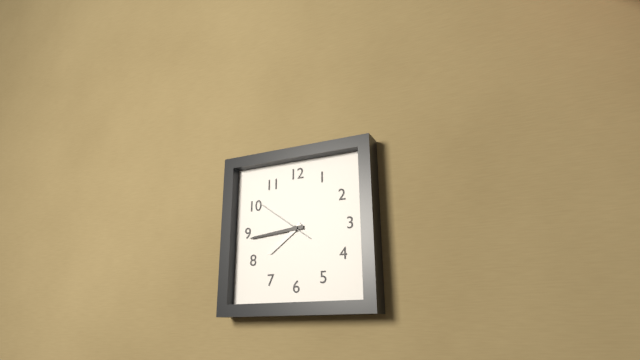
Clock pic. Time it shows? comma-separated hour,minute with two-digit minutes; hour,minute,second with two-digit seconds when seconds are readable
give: 7,44,51
